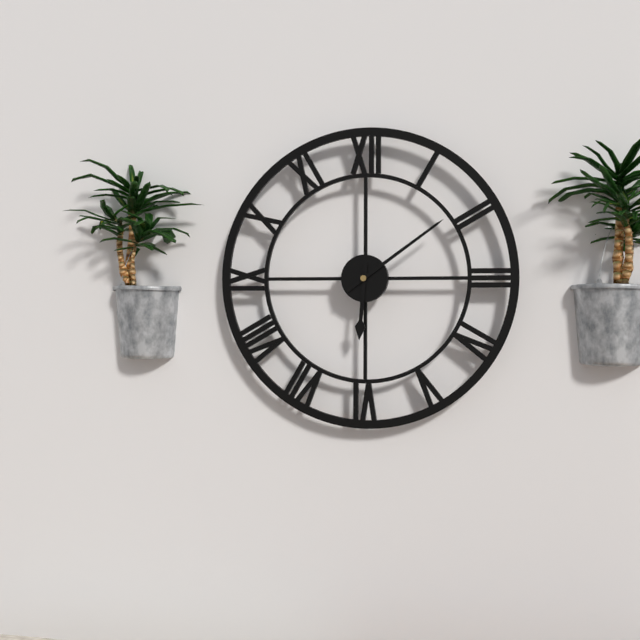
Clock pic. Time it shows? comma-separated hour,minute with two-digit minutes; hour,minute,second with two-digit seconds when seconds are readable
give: 6,09
